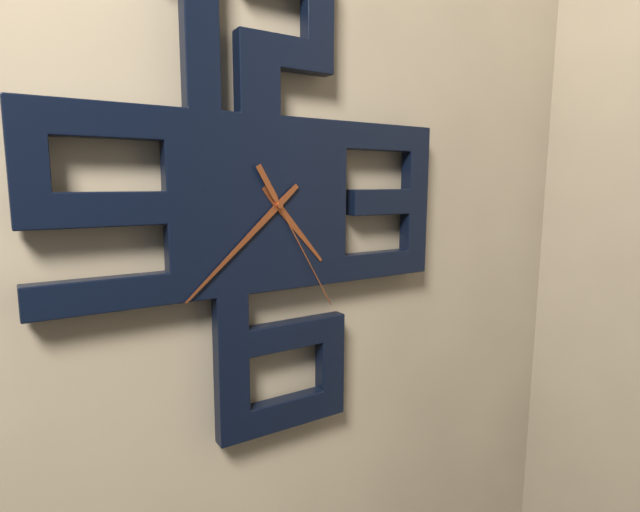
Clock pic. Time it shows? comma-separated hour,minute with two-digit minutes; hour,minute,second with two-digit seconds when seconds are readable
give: 4,38,25
